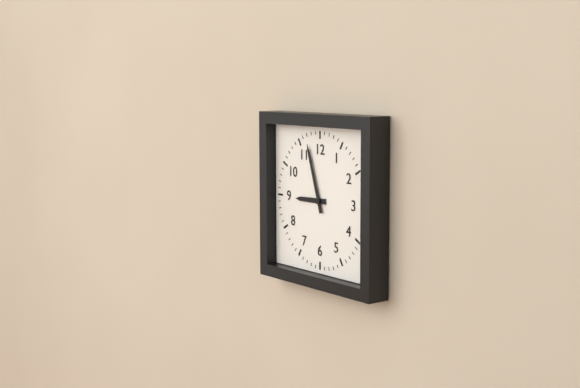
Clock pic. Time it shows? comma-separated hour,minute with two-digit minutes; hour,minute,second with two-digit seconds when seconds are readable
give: 8,57
